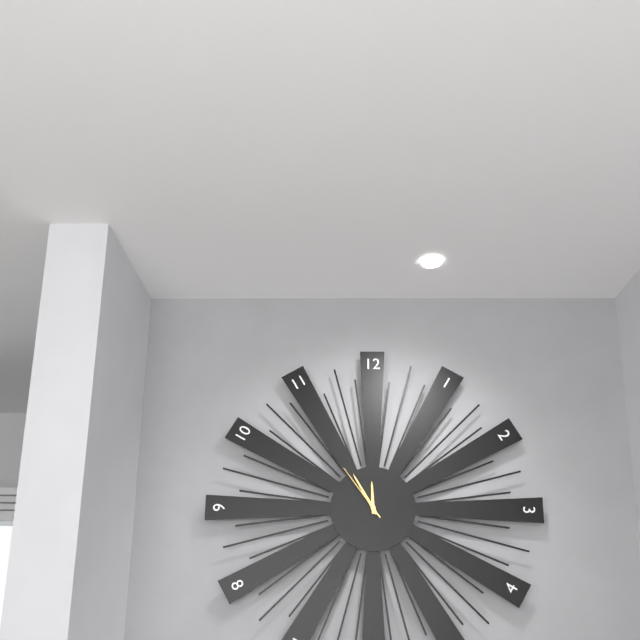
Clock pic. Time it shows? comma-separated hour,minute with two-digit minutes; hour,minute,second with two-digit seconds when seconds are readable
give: 11,55,54
